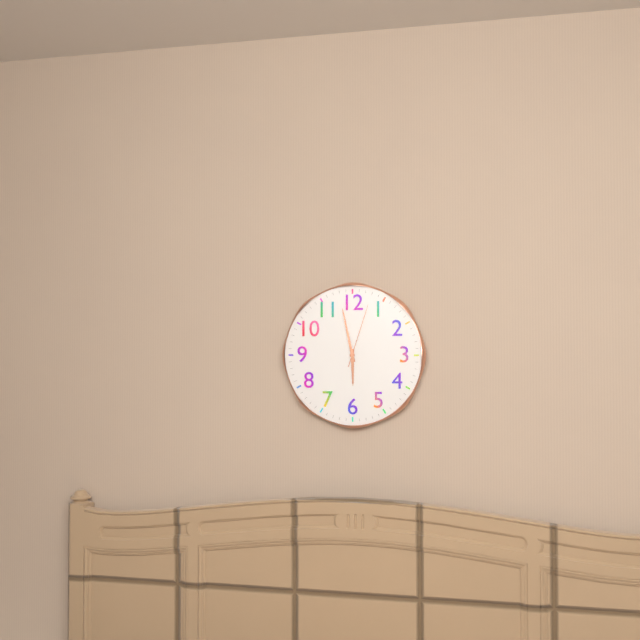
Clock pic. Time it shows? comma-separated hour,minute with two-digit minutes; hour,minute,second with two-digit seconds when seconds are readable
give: 5,58,03
